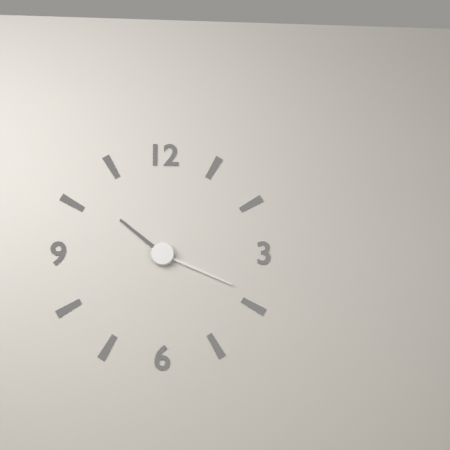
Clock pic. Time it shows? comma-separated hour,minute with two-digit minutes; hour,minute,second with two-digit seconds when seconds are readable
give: 10,19
